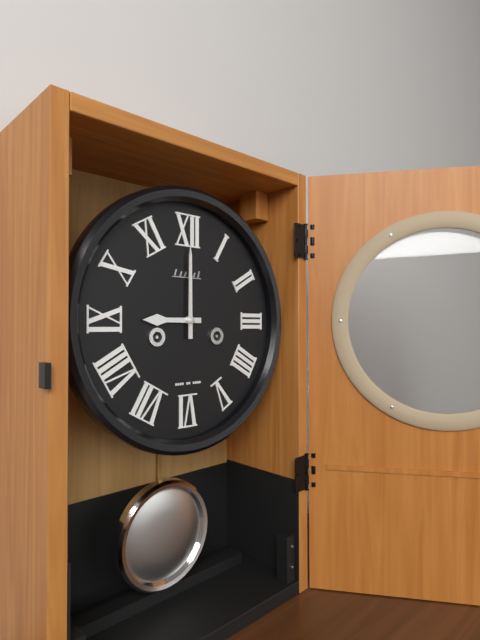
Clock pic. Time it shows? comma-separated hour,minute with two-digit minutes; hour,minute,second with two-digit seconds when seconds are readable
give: 9,00
